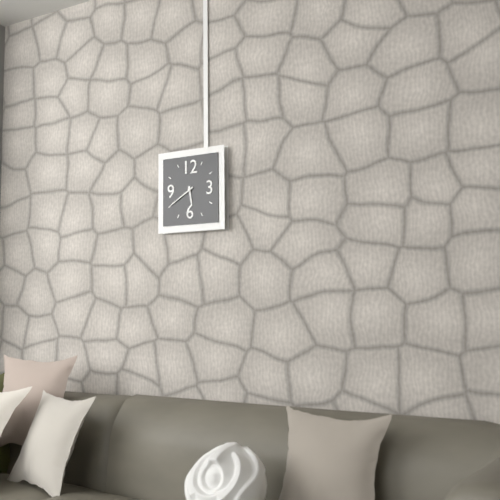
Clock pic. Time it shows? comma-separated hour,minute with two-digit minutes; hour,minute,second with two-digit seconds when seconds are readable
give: 5,40
